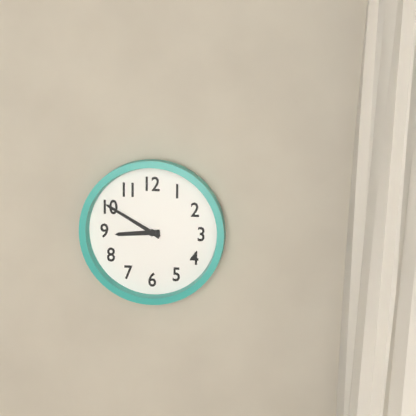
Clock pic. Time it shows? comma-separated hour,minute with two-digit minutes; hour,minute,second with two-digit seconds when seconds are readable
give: 8,50
